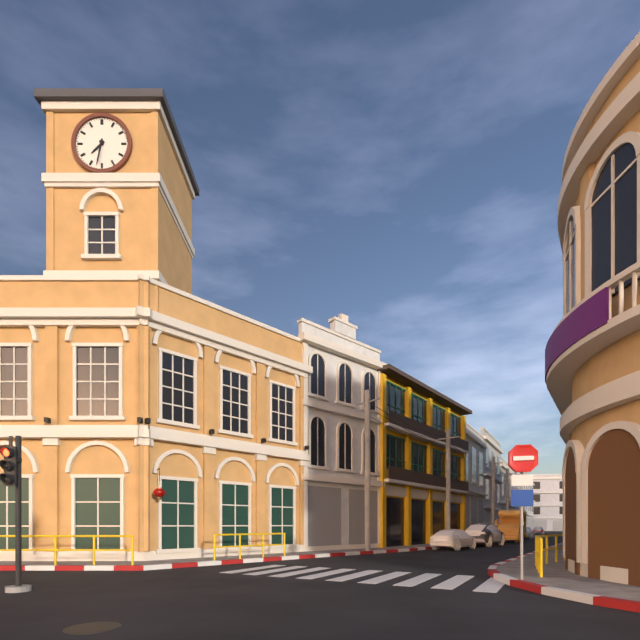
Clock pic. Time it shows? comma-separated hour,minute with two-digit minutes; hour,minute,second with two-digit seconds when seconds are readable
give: 7,32
